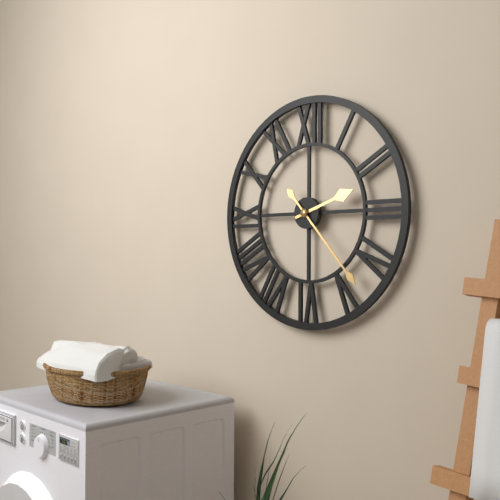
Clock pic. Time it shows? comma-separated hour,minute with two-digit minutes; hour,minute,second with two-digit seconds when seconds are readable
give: 2,23
